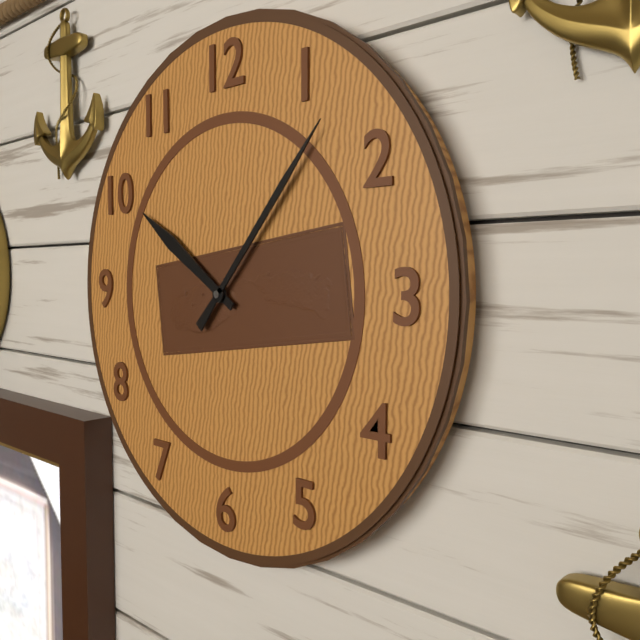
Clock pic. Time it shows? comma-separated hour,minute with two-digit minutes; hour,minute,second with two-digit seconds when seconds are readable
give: 10,07
